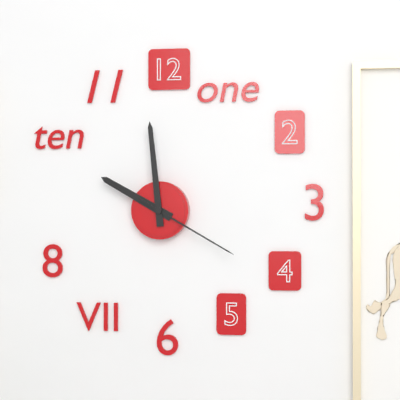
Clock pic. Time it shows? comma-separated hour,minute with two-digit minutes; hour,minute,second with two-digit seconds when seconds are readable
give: 9,59,20
